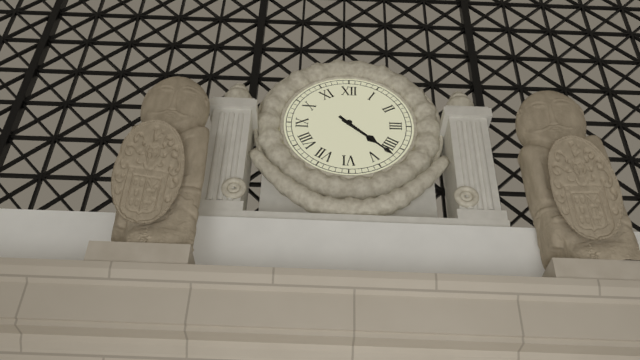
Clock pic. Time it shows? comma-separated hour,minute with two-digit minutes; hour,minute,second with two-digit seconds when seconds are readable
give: 4,22
